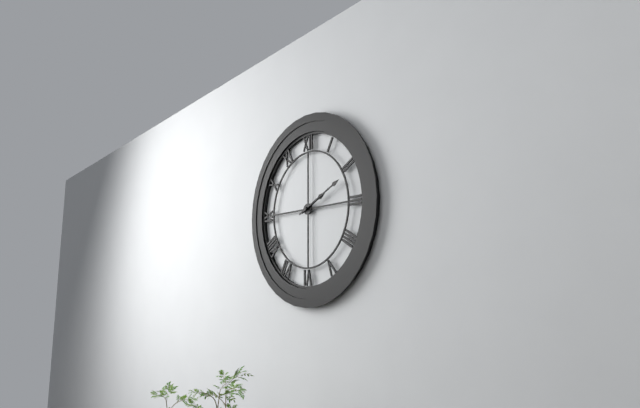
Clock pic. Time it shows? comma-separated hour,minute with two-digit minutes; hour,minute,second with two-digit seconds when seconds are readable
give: 2,11
